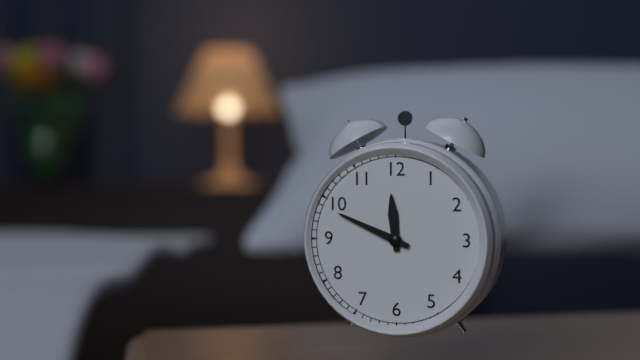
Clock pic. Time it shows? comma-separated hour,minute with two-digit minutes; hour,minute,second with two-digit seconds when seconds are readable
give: 11,49
